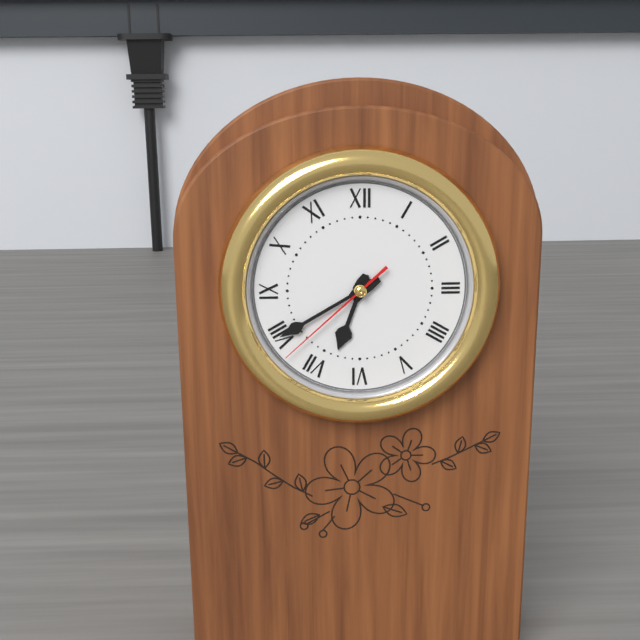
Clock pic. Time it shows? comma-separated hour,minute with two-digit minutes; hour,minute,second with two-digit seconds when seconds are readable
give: 6,40,38
